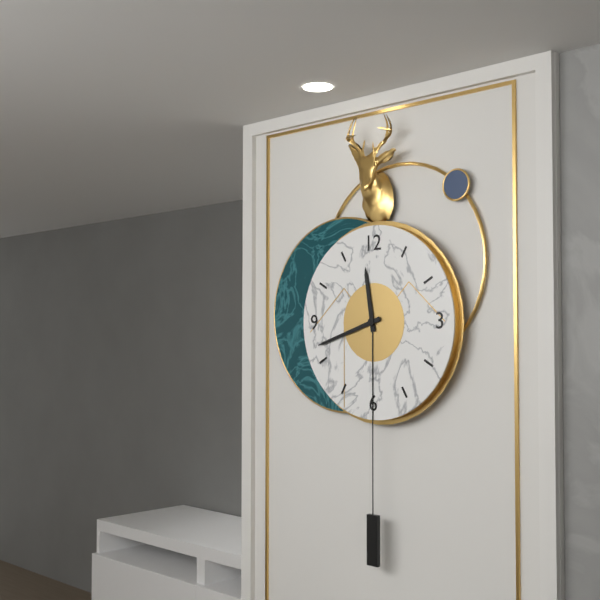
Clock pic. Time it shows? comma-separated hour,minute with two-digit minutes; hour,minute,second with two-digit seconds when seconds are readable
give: 11,42
